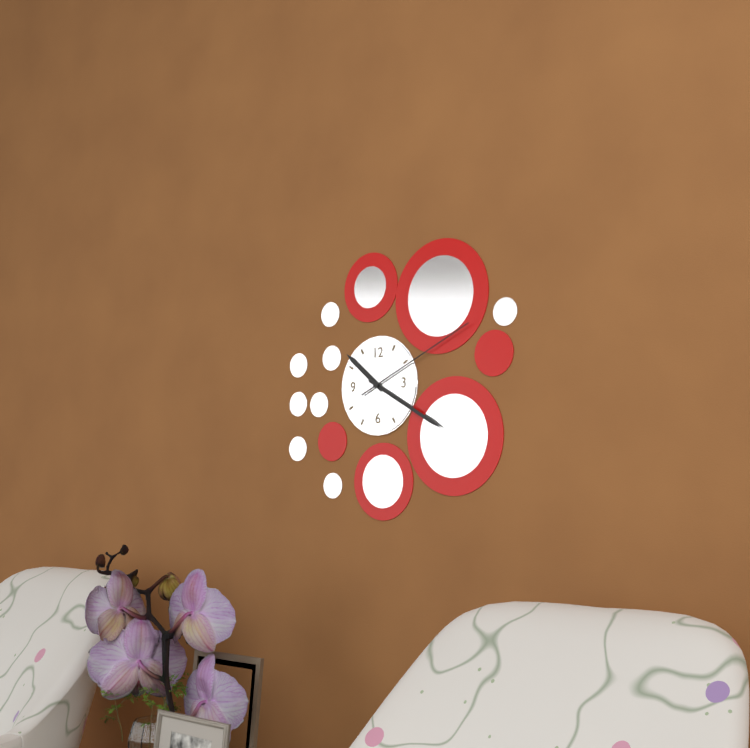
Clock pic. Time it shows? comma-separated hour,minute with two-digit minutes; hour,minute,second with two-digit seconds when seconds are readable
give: 10,20,11
